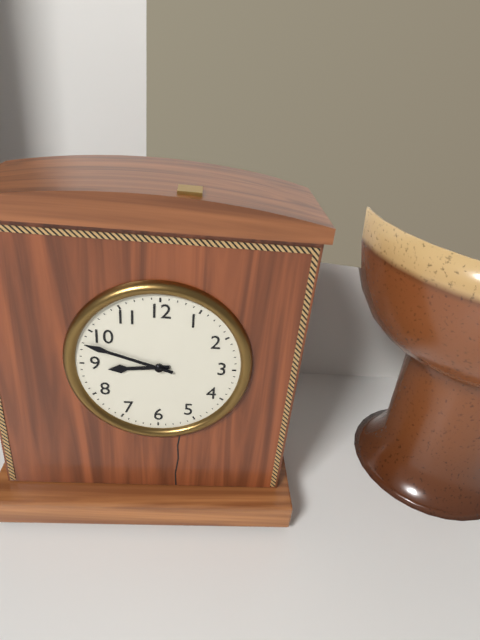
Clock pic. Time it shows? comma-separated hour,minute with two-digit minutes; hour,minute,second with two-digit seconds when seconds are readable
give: 8,48
